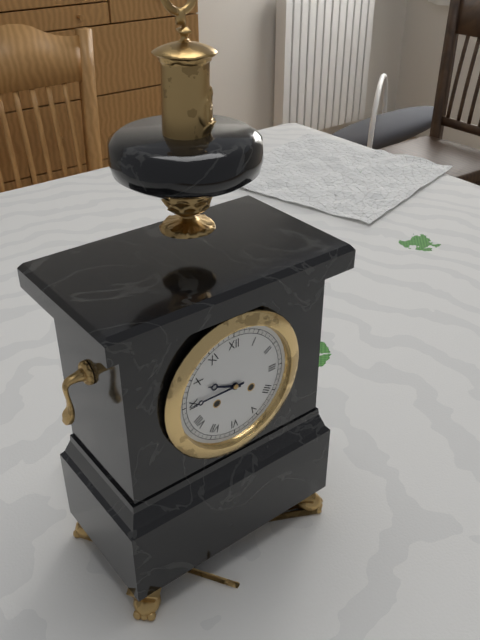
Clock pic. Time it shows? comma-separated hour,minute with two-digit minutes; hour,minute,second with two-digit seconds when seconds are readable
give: 9,45
